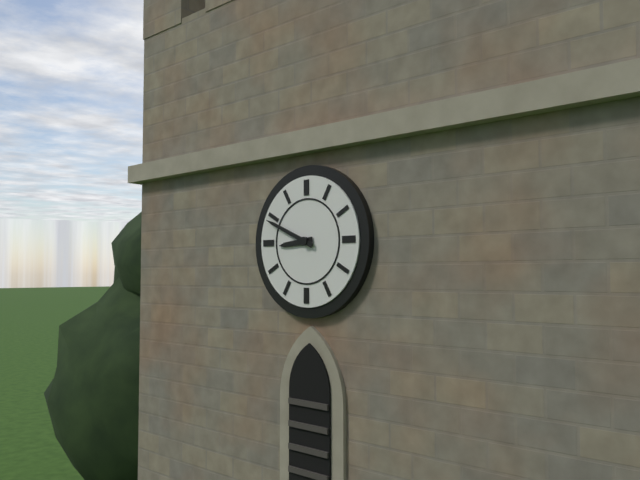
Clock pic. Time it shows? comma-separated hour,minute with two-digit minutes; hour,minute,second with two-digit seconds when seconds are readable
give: 8,49
